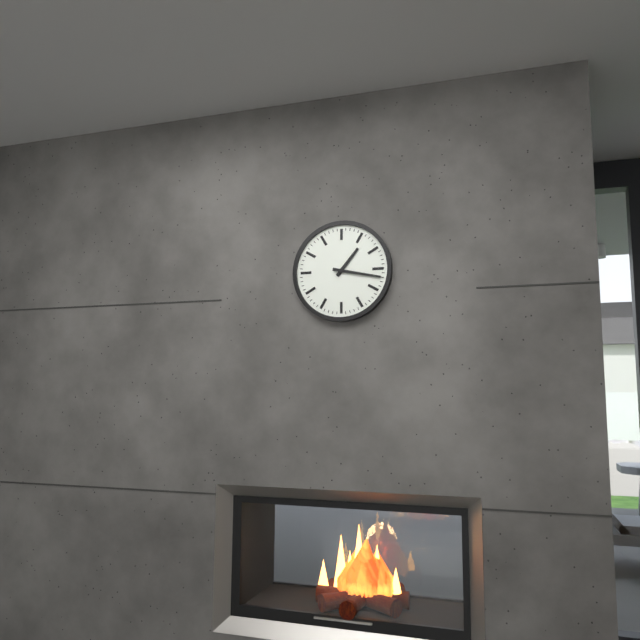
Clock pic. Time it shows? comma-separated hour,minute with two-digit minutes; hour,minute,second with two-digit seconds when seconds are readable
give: 1,17
